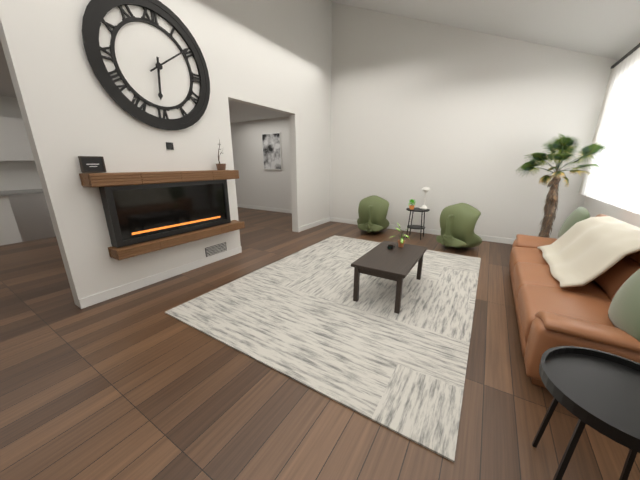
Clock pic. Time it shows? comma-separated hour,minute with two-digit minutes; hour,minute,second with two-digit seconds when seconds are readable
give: 6,09
